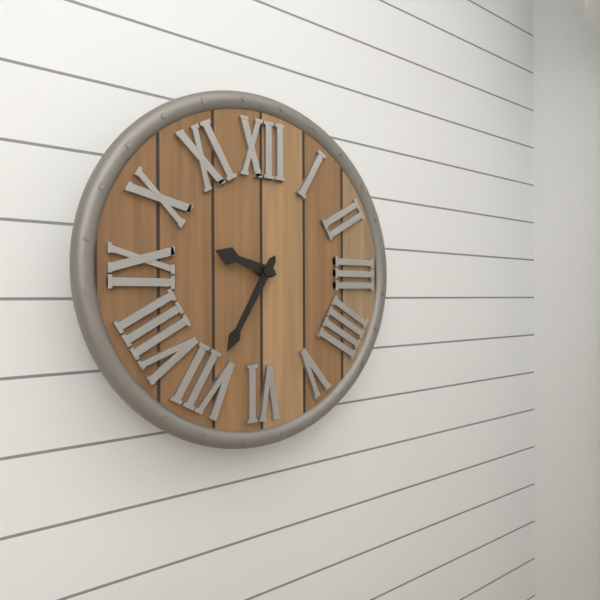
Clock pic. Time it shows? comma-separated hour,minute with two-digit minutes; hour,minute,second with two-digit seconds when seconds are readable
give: 9,35
